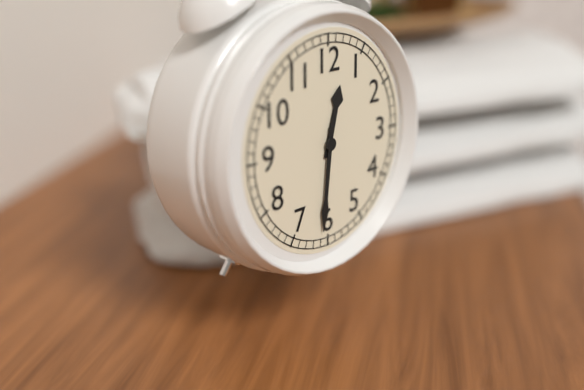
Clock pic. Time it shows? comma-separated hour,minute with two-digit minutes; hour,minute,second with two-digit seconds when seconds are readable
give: 12,31
